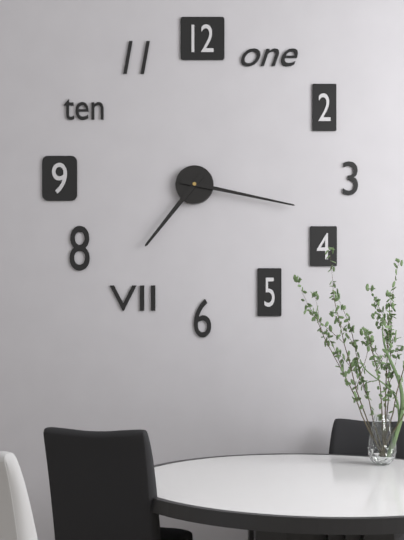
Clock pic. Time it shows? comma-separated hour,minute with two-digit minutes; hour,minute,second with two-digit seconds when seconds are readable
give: 7,17
